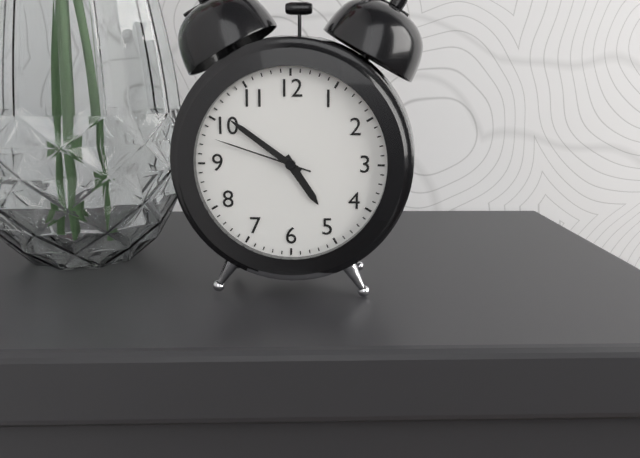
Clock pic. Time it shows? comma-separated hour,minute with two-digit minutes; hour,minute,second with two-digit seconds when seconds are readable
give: 4,51,48
